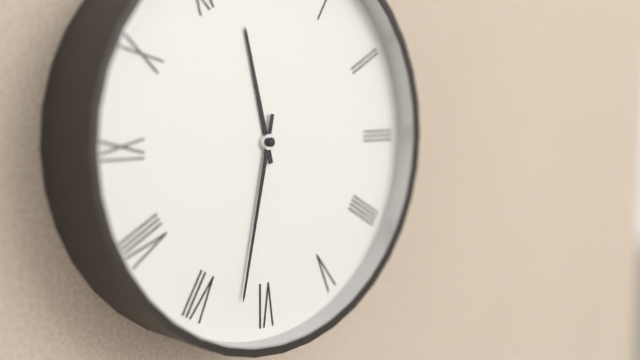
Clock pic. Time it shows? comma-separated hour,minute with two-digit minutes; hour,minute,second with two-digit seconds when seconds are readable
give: 11,32
